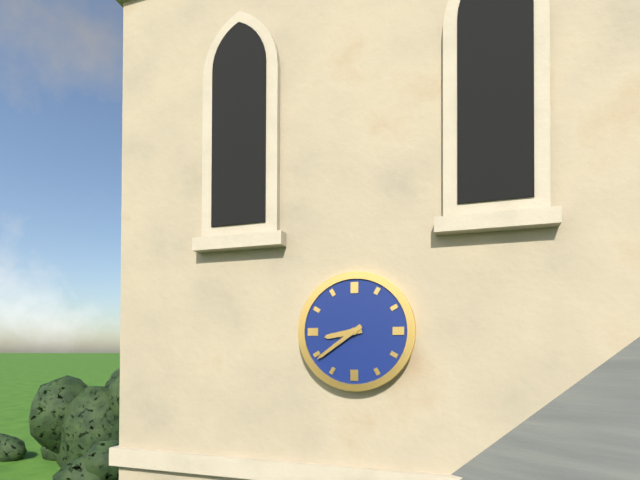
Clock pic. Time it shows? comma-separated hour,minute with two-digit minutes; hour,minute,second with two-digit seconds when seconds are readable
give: 8,39
